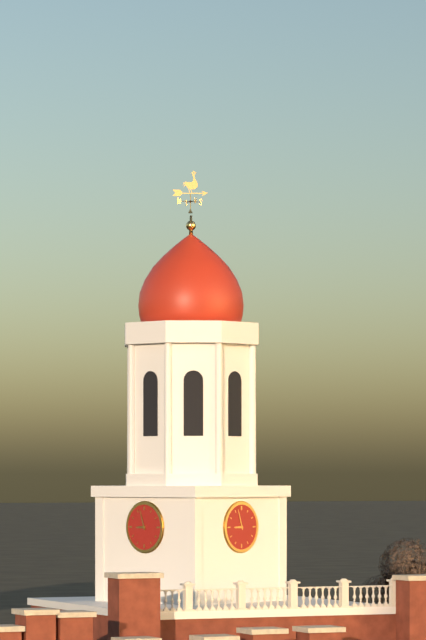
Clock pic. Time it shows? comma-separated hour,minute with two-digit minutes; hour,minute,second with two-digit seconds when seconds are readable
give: 8,57
